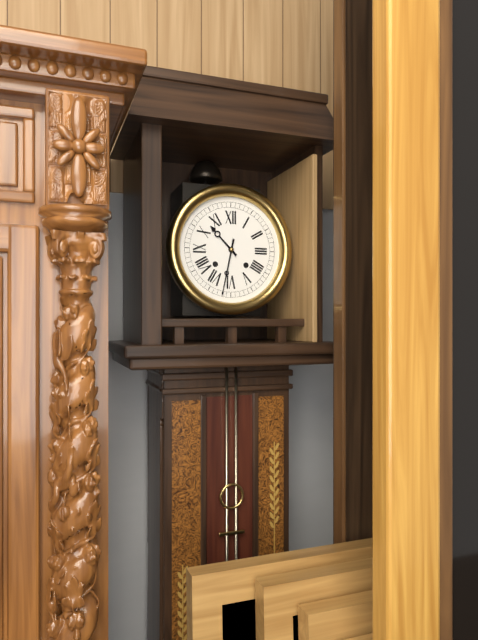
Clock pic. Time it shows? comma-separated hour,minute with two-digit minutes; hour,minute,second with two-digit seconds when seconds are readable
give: 10,32
